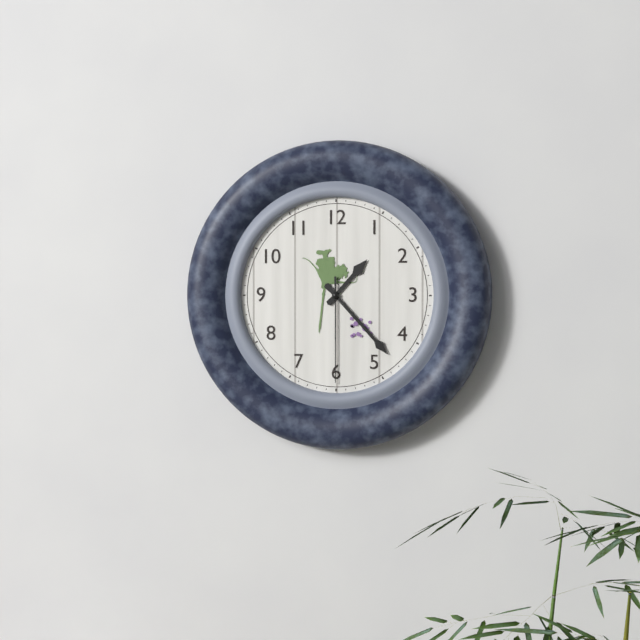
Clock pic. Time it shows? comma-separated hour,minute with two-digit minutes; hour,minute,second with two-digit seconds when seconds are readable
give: 1,23,30
